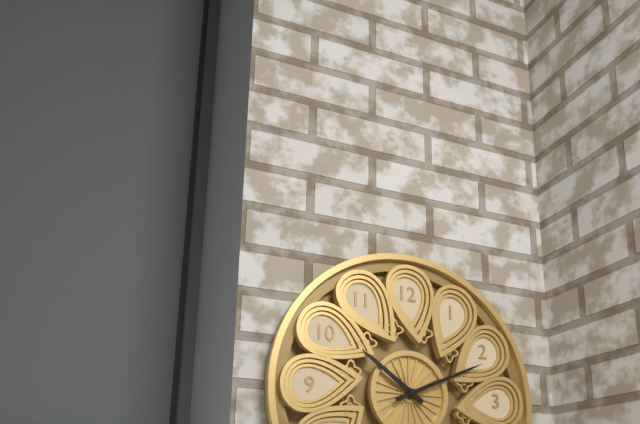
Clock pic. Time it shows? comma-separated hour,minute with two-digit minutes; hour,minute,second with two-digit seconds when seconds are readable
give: 10,11
